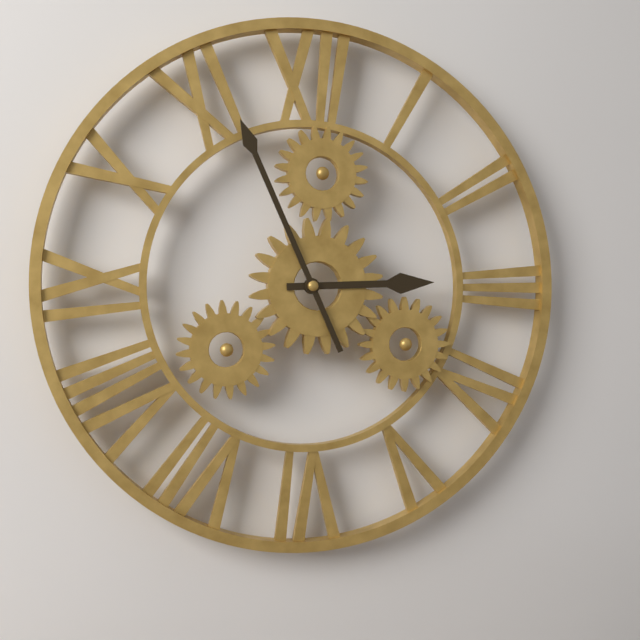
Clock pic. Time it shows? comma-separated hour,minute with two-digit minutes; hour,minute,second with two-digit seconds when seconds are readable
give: 2,56
